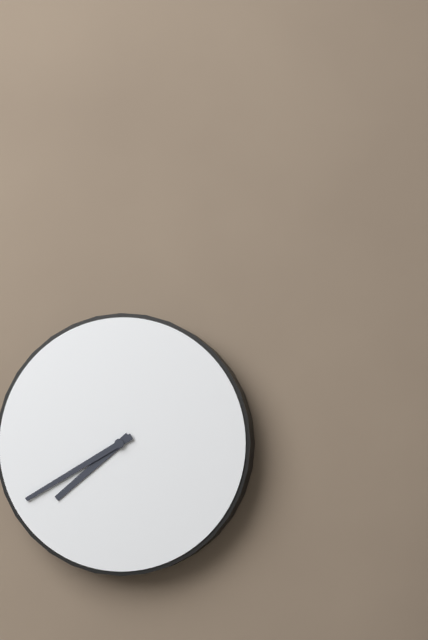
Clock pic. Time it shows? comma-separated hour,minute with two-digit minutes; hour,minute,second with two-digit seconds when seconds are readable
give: 7,40
